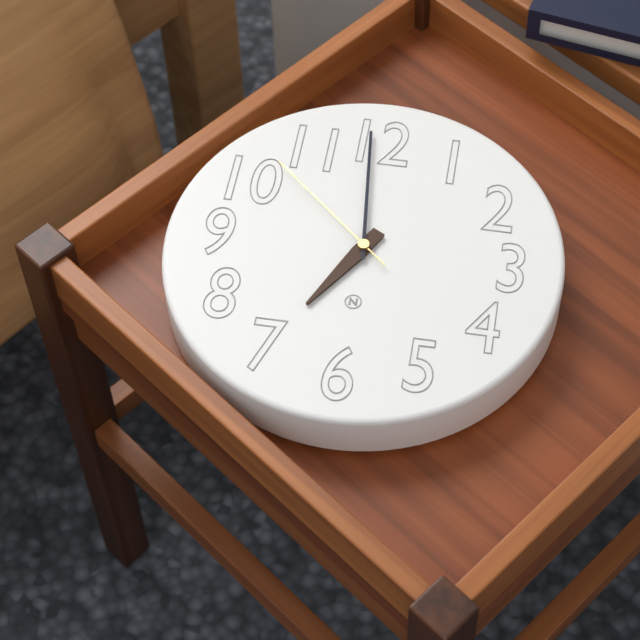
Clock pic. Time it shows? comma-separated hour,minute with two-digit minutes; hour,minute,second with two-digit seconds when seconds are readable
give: 6,59,52
